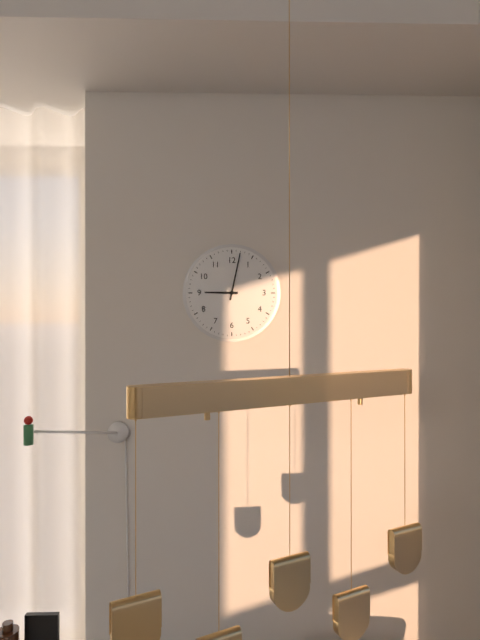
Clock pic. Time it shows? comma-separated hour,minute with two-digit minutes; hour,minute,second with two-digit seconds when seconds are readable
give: 9,02
